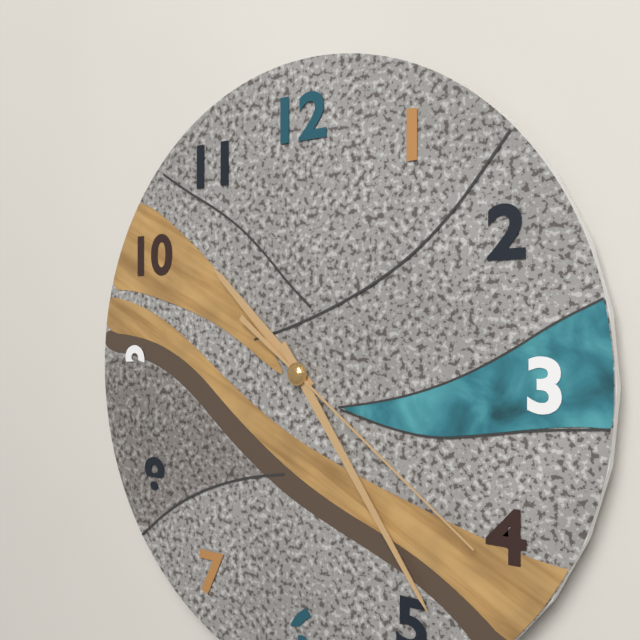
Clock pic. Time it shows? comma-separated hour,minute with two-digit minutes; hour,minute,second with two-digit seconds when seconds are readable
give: 10,24,21
